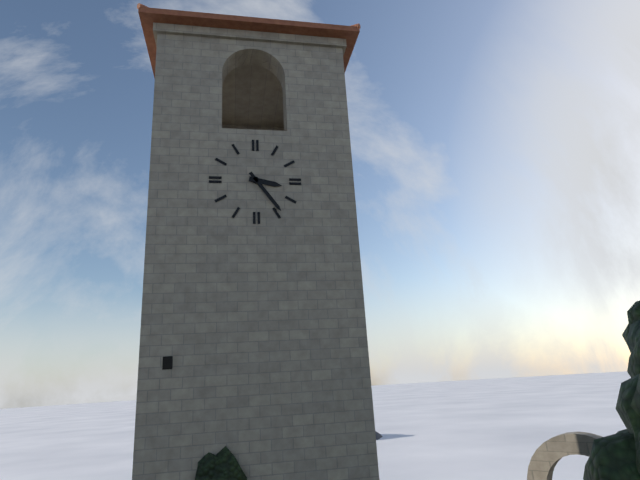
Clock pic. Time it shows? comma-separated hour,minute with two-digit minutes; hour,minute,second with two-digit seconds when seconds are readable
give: 3,24
